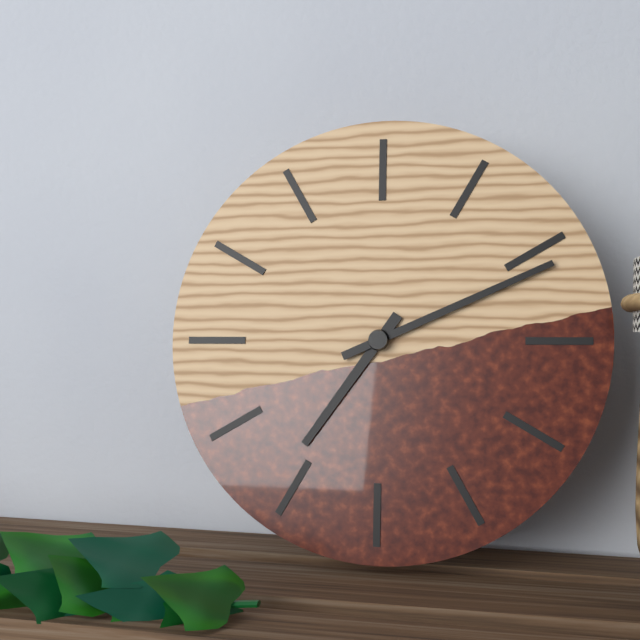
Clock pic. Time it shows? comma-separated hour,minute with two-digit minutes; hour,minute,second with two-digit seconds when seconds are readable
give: 7,11
